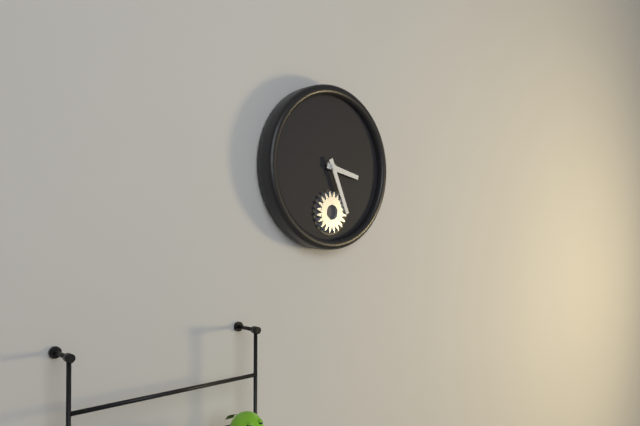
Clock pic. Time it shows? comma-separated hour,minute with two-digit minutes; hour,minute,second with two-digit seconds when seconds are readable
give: 3,26
